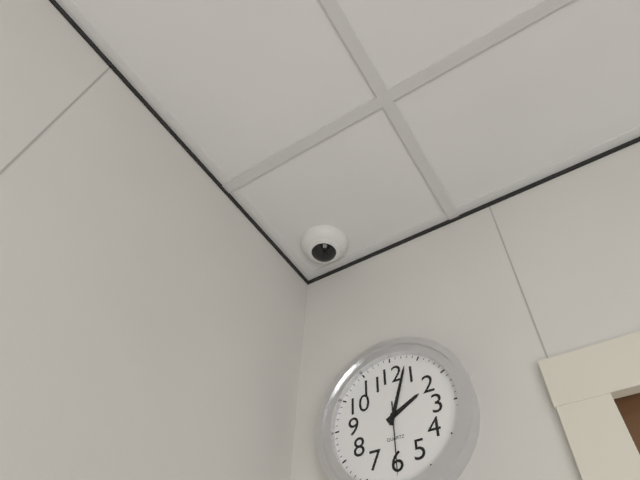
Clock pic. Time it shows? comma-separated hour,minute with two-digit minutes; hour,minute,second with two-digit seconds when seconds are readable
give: 2,03,30
